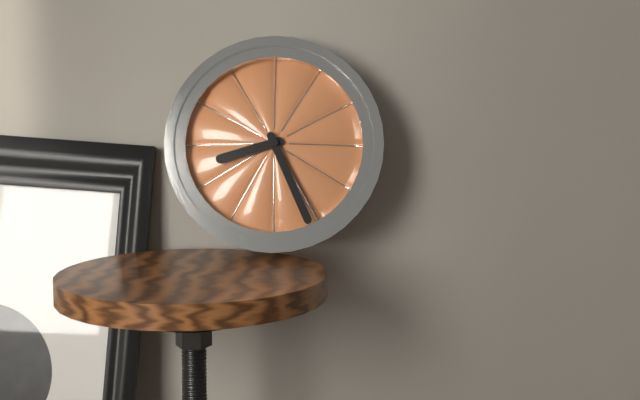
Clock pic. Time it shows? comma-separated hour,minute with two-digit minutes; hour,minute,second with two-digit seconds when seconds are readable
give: 8,26
